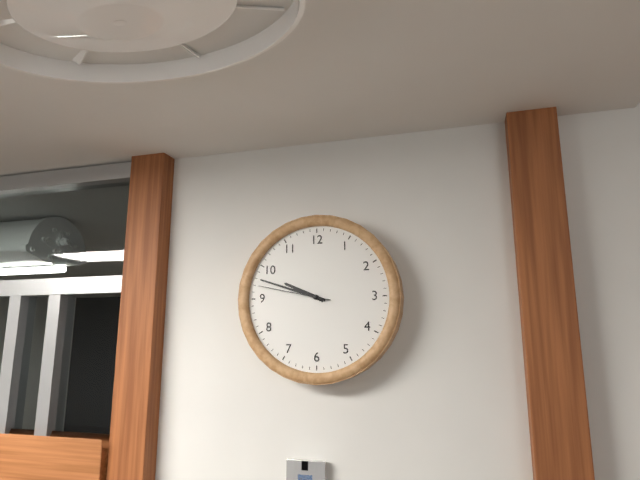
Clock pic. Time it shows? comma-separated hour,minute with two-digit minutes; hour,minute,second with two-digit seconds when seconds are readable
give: 9,48,47
